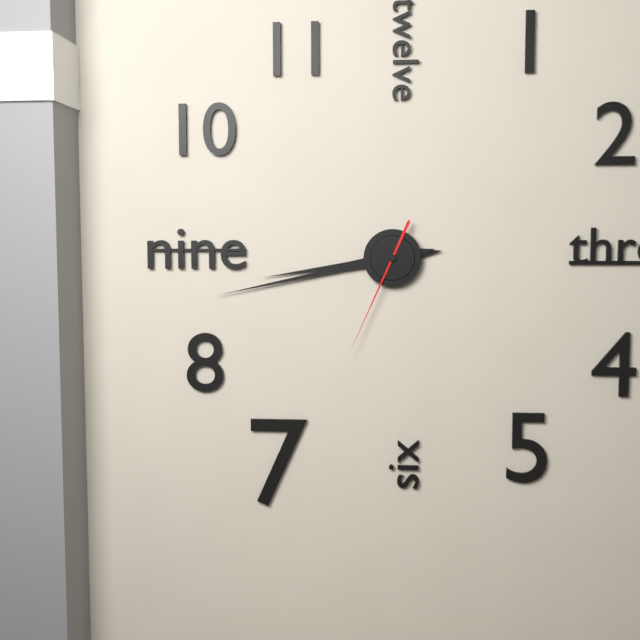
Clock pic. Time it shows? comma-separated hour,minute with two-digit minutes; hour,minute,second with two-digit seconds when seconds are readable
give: 8,43,34
